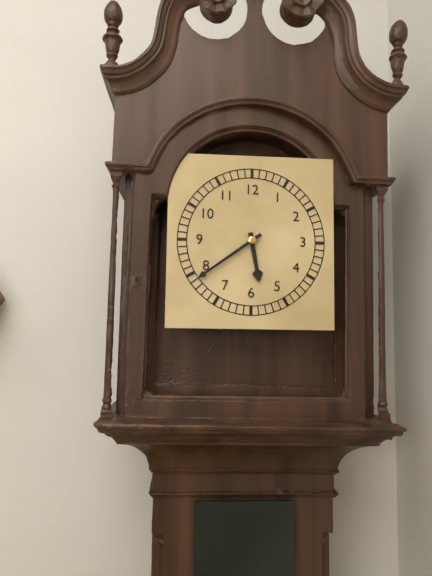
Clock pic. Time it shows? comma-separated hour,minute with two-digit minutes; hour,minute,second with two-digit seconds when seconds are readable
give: 5,39
